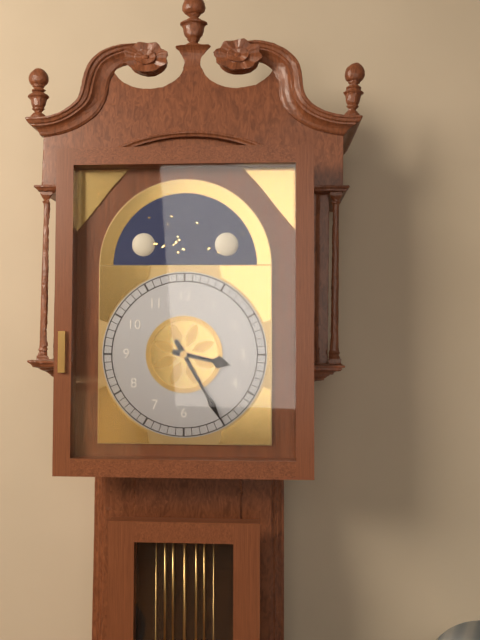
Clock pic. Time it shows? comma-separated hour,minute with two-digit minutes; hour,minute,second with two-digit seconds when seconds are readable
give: 3,25
